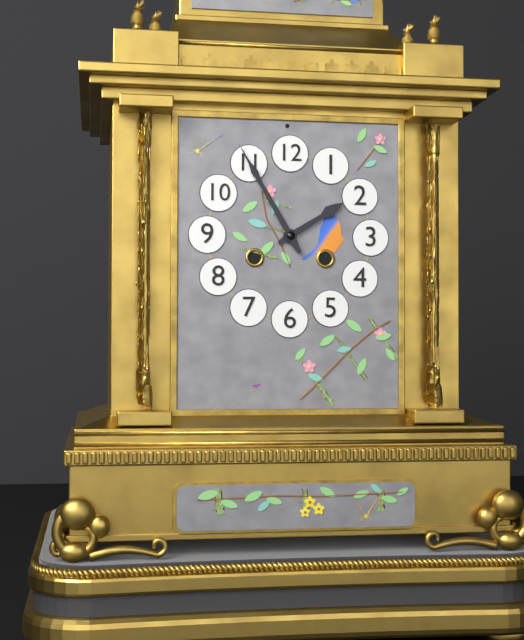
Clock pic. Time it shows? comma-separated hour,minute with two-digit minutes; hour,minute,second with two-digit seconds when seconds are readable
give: 1,55
